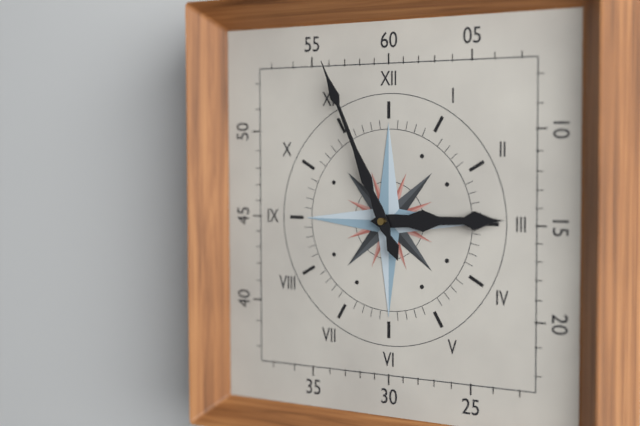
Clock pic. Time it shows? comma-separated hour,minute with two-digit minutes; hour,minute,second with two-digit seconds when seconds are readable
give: 2,56
